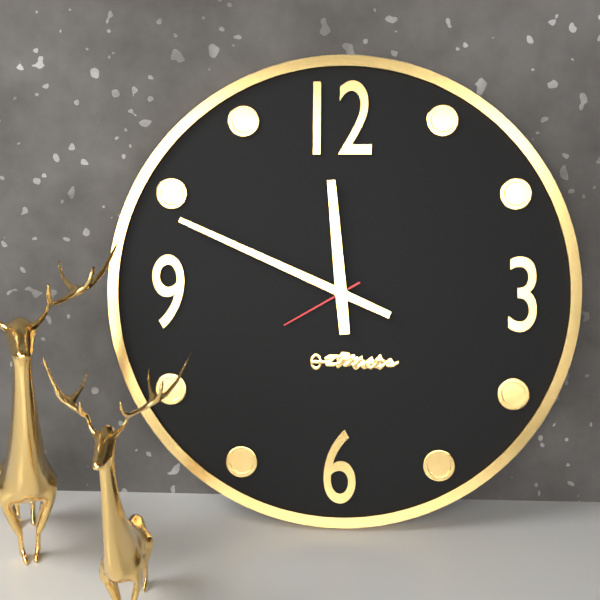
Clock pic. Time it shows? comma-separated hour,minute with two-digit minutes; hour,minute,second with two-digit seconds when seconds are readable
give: 11,49,40
